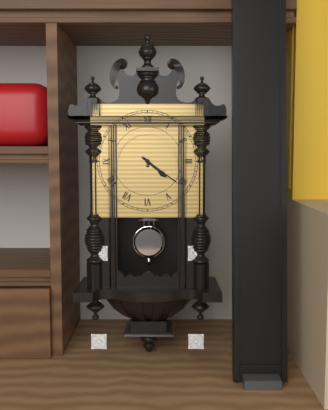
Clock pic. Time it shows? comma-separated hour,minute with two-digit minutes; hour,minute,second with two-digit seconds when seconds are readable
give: 4,21
